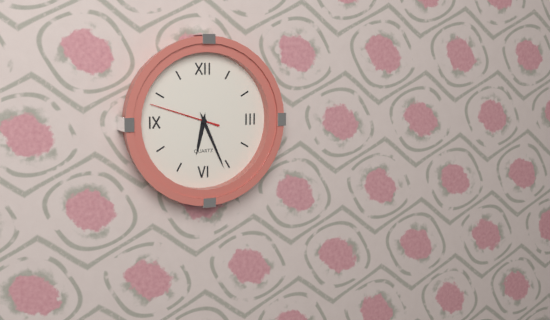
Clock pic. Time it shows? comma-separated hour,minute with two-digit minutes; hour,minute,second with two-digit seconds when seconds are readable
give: 6,26,48
